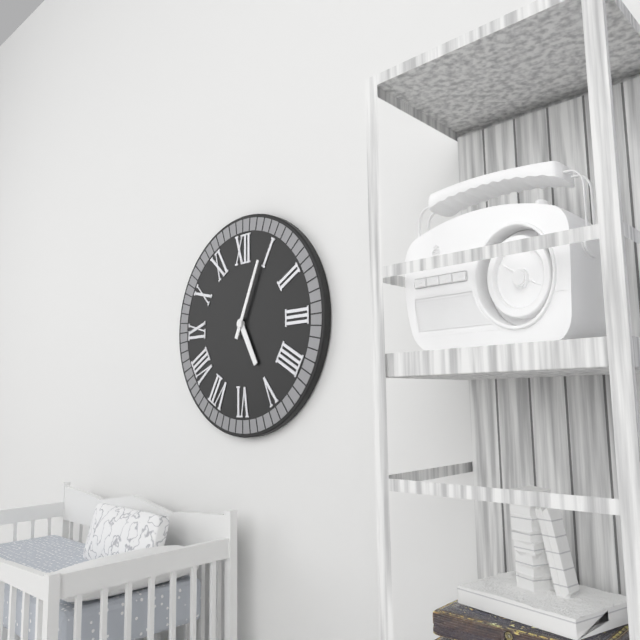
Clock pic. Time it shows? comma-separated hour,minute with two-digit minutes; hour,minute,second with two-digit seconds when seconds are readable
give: 5,04
